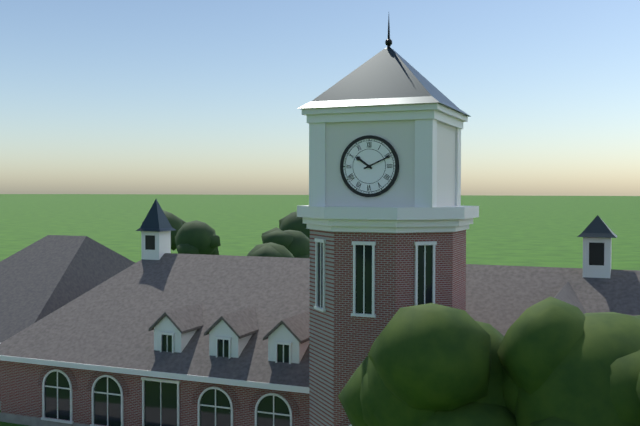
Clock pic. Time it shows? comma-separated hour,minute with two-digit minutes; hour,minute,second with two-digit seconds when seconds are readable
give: 10,11
